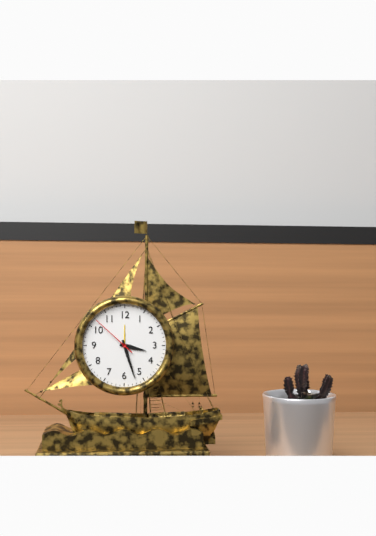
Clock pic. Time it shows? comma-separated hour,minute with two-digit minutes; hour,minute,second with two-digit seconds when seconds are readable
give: 3,27
